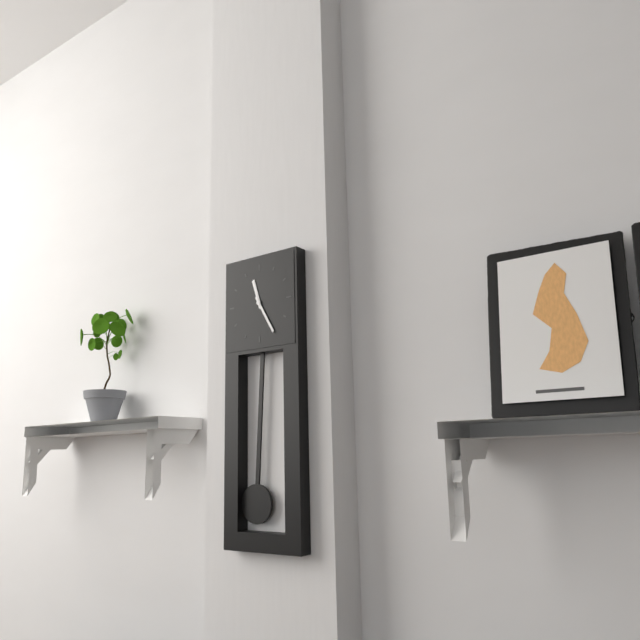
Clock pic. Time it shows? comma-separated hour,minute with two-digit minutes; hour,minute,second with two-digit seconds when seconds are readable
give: 11,25
